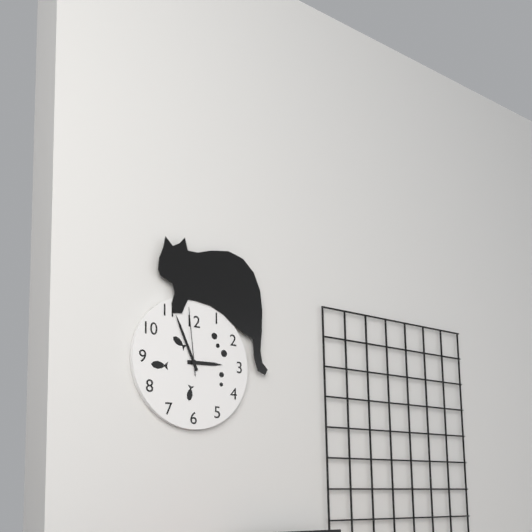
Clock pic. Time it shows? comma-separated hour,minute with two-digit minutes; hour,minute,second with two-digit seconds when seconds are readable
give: 2,56,59
